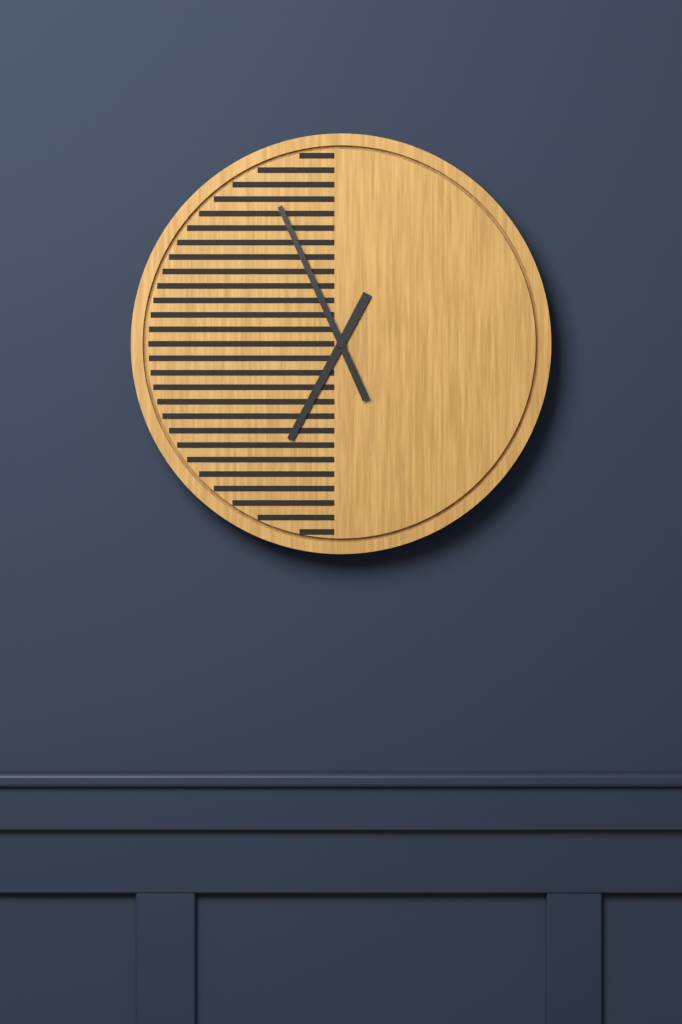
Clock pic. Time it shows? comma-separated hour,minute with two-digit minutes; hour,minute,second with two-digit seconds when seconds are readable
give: 6,56
